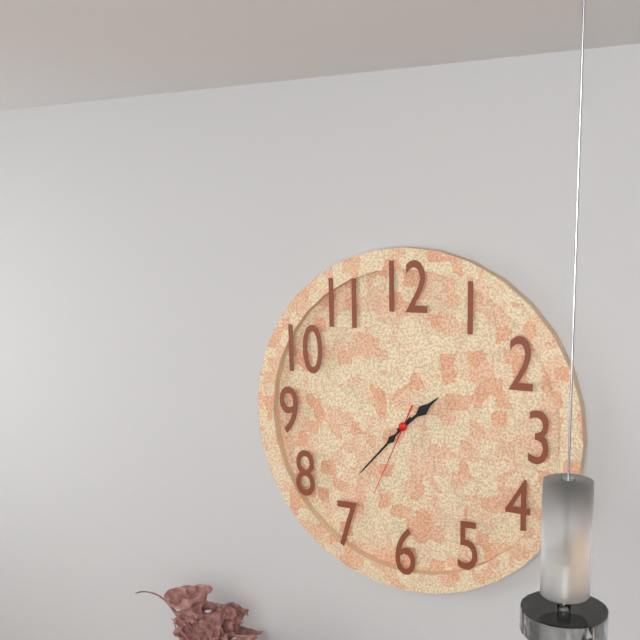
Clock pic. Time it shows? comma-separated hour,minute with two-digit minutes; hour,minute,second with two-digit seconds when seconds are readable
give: 1,37,34
